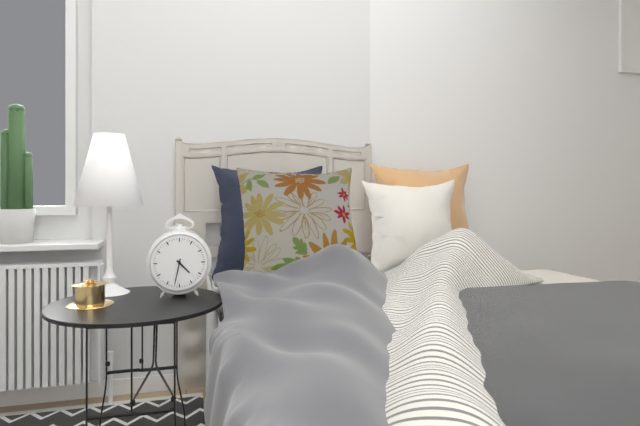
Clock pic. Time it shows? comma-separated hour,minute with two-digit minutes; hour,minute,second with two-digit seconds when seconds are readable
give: 4,32
